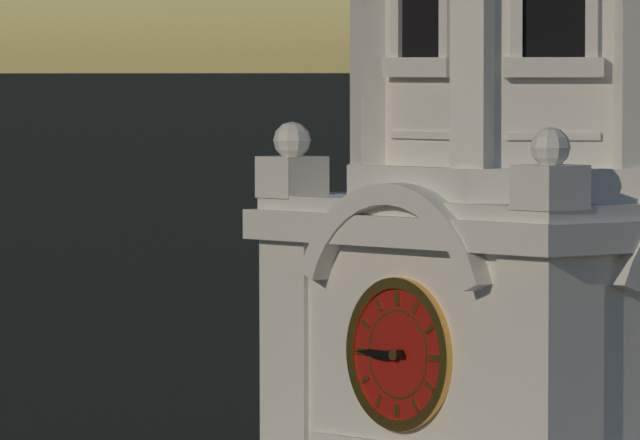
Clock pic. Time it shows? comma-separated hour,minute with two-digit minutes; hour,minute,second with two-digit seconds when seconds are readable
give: 8,45
